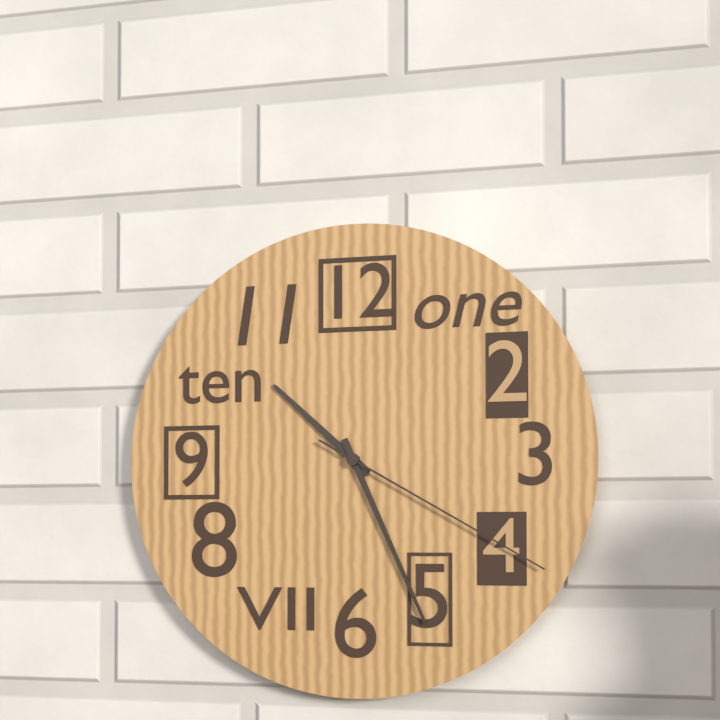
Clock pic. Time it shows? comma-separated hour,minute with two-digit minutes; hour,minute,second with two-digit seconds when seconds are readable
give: 10,26,20
